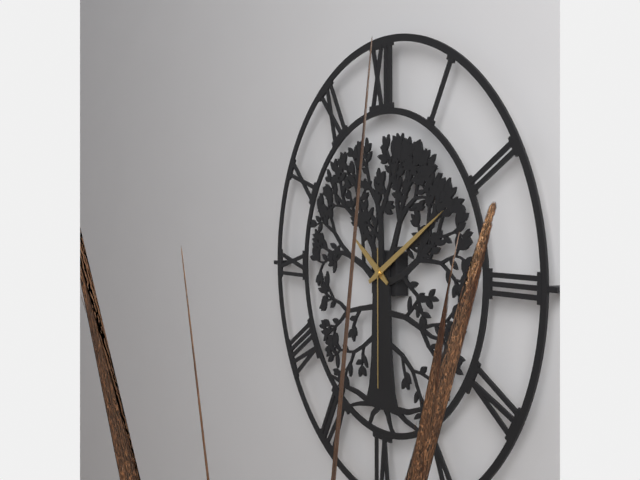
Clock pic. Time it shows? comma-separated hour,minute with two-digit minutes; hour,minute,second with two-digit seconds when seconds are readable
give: 10,10,30
